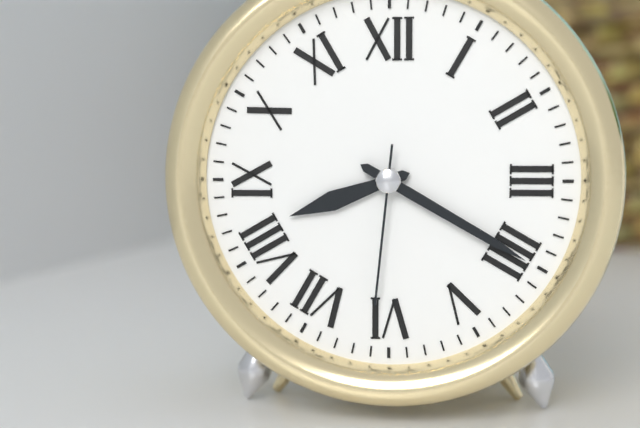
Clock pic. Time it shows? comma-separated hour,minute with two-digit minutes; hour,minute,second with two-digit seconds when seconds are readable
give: 8,20,31
